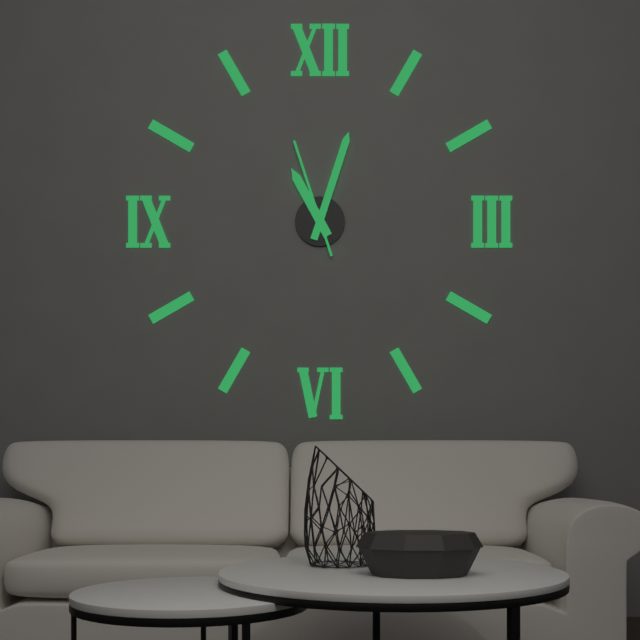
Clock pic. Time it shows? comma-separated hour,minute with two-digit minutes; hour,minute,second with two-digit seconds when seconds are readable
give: 11,03,57
